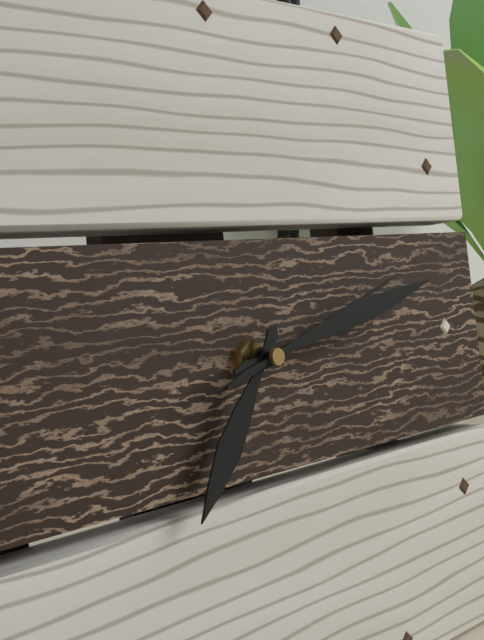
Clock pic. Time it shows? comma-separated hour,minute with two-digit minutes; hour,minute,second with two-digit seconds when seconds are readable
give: 7,13,12
